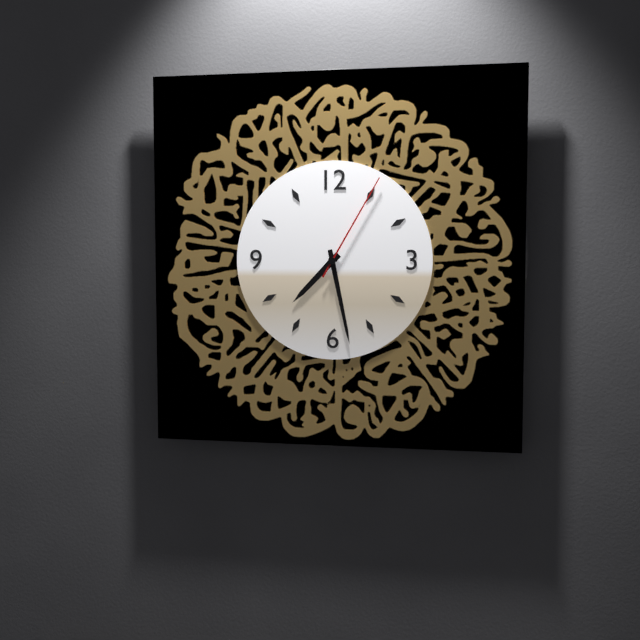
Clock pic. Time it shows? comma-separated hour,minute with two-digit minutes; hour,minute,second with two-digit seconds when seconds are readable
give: 7,28,05
